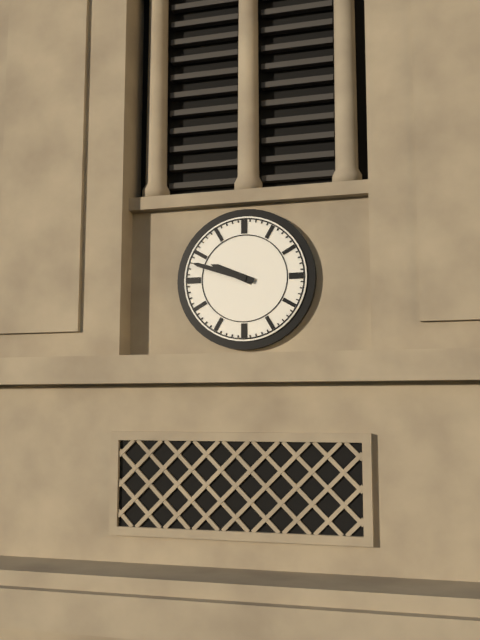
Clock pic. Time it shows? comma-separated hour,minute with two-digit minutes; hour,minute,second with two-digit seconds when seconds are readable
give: 9,48
